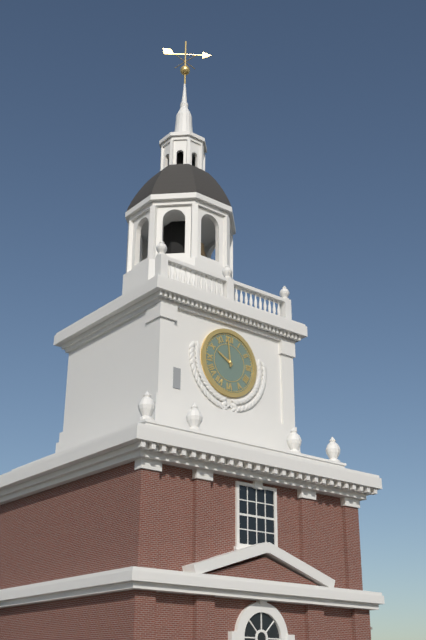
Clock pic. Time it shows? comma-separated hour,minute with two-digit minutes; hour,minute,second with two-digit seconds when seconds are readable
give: 9,59
